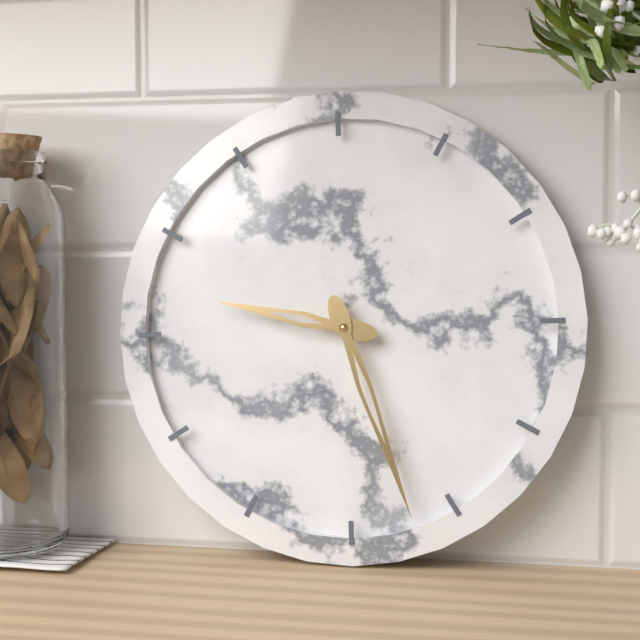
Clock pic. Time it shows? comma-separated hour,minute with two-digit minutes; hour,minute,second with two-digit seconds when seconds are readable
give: 9,27
